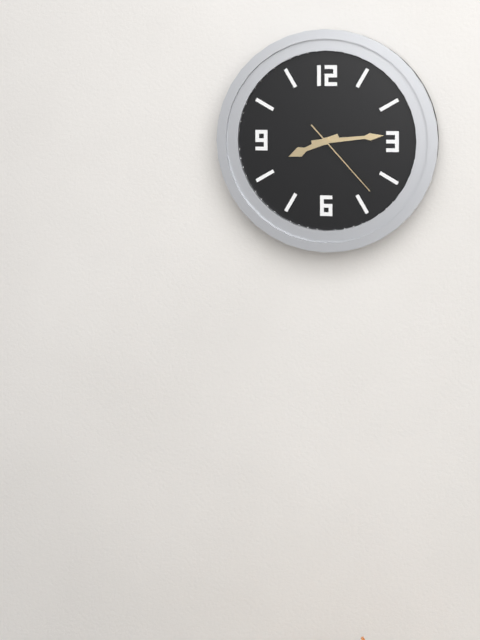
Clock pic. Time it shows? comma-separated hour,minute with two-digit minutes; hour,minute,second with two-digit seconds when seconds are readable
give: 8,14,23
